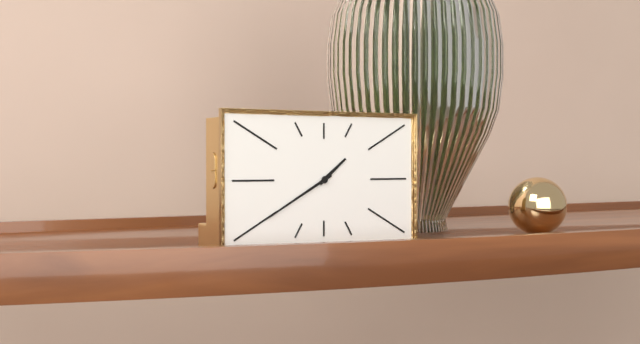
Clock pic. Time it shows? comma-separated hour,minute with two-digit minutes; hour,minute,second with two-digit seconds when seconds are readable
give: 1,40
